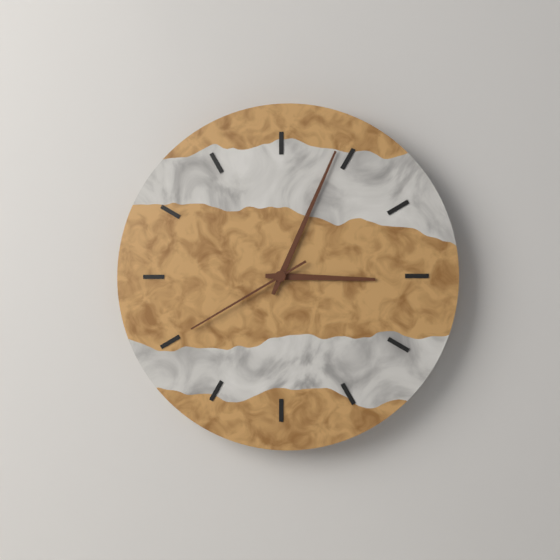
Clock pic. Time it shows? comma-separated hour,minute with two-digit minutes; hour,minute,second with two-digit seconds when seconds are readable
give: 3,04,40
